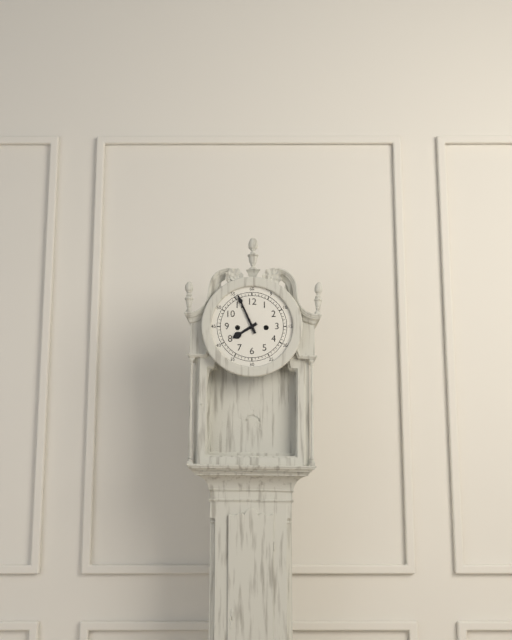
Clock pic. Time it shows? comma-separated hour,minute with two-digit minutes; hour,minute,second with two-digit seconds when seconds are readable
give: 7,56
